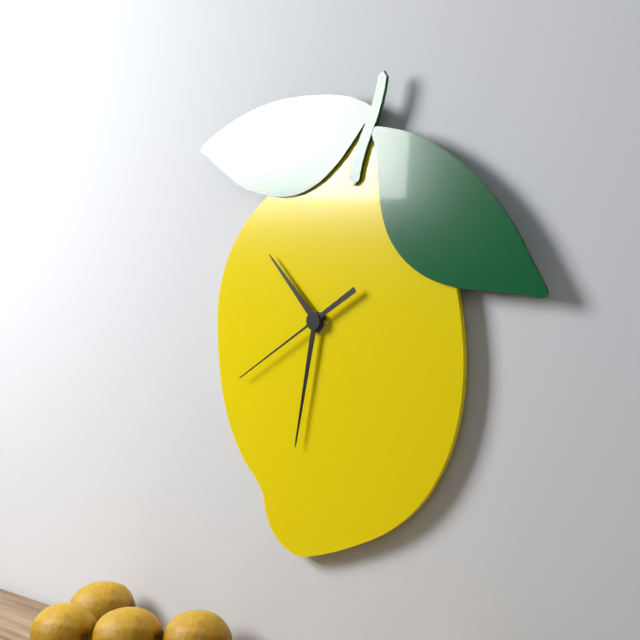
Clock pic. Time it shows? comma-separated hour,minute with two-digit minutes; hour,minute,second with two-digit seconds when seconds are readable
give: 10,32,40
